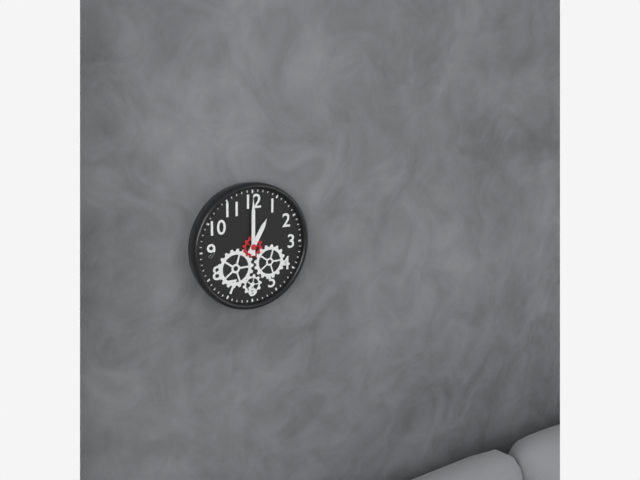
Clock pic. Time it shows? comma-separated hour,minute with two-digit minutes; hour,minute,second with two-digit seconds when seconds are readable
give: 1,00
